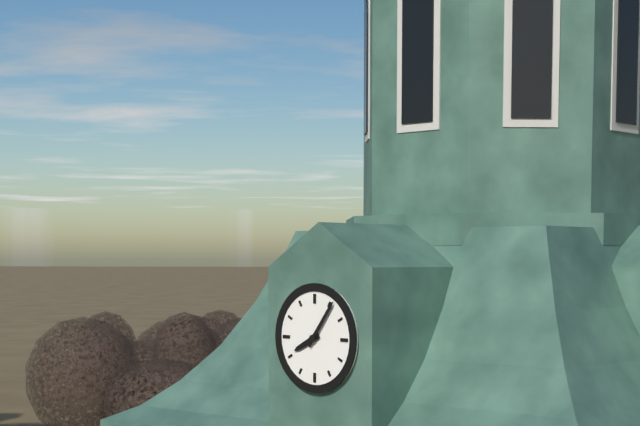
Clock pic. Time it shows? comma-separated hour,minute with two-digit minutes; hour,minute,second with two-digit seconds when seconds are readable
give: 8,06
